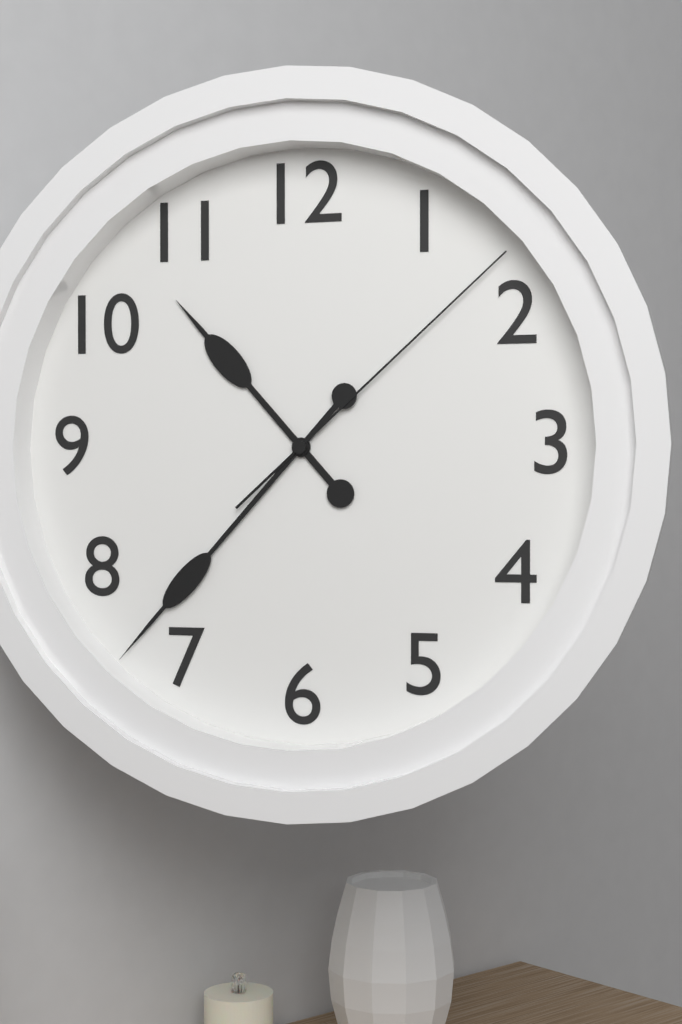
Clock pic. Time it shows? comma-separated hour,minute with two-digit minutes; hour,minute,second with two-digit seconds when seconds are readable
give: 10,37,08
